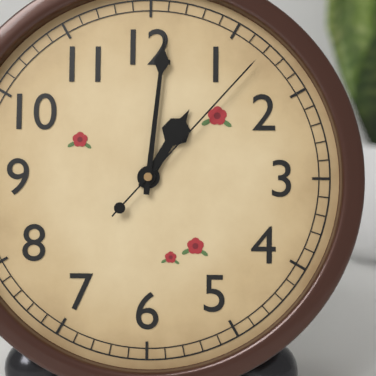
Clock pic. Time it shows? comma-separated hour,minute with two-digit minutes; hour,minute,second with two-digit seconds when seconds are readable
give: 1,01,07
